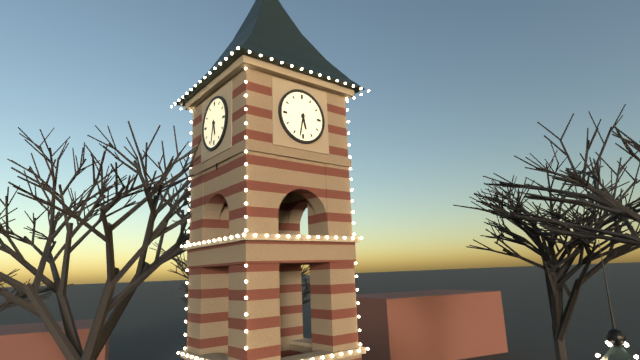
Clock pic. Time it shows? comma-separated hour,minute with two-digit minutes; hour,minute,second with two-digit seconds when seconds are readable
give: 5,32
